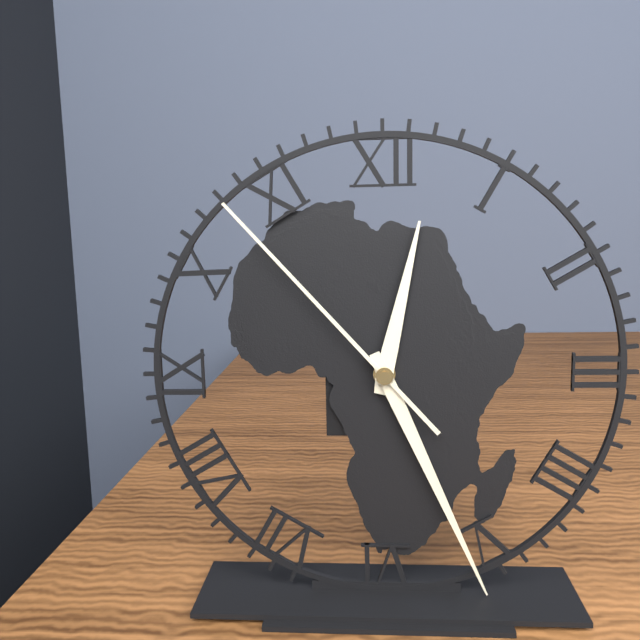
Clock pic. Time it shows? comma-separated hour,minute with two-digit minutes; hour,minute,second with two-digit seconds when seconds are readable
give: 12,26,53
